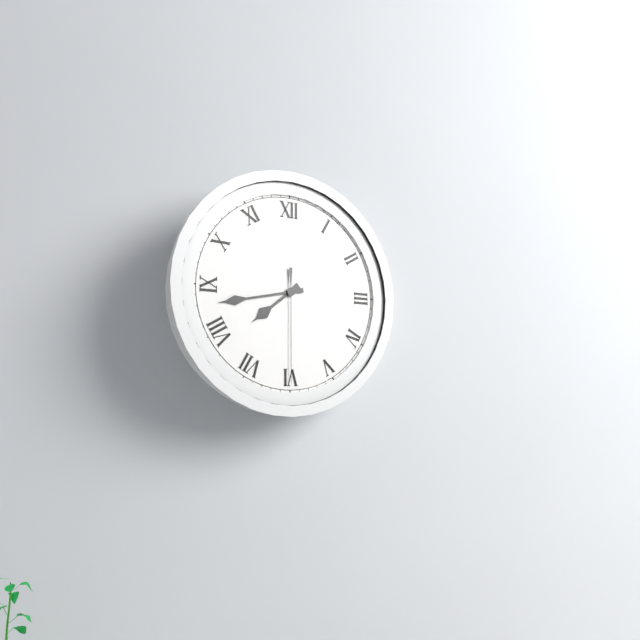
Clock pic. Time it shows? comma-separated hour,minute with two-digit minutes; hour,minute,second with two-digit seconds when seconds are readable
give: 7,43,30
